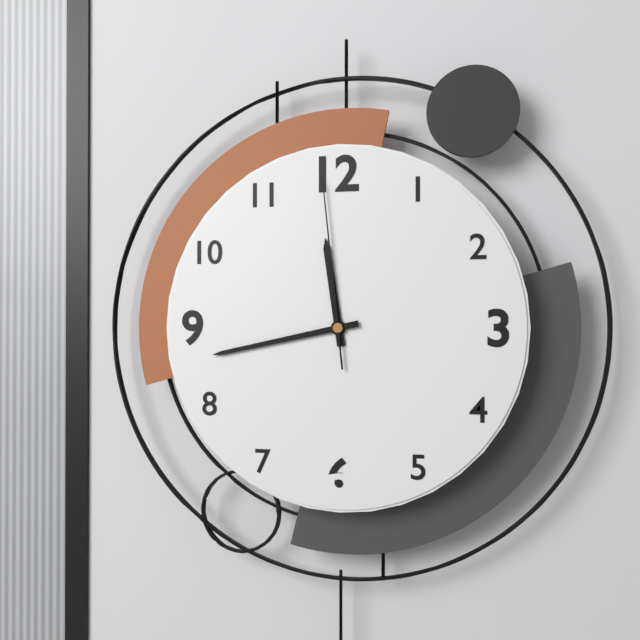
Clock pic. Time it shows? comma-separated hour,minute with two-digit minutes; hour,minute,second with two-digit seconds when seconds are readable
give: 11,43,59
